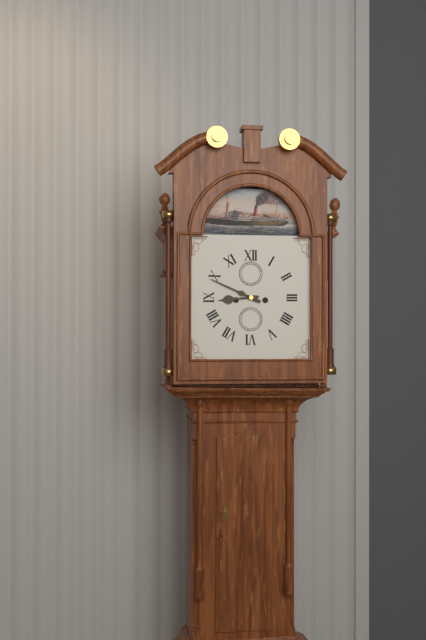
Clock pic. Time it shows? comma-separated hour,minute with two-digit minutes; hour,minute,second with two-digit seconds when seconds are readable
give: 8,49
